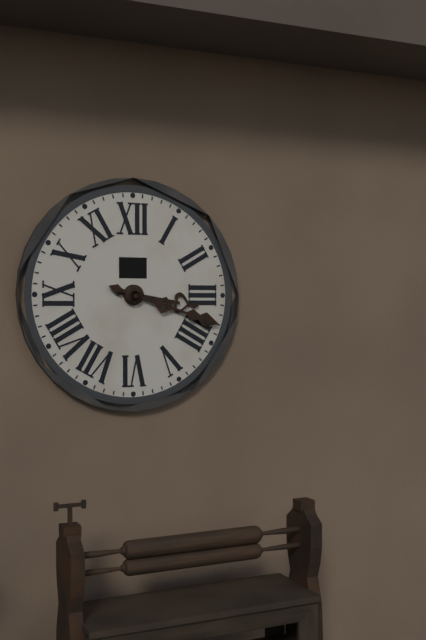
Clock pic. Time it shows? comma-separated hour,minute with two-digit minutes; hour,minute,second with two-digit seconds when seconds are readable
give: 3,18
